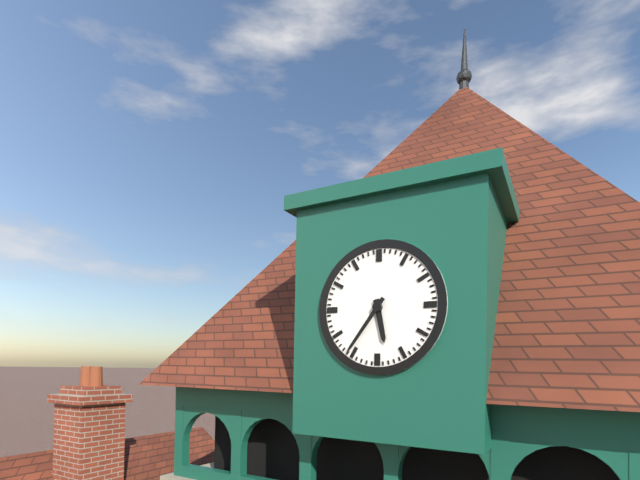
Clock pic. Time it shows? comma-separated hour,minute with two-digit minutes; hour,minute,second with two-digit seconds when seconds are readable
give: 5,36
